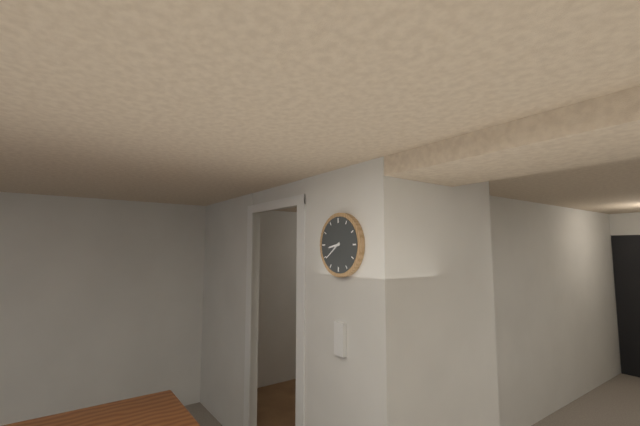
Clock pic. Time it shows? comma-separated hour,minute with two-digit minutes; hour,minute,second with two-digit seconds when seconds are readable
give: 8,39
